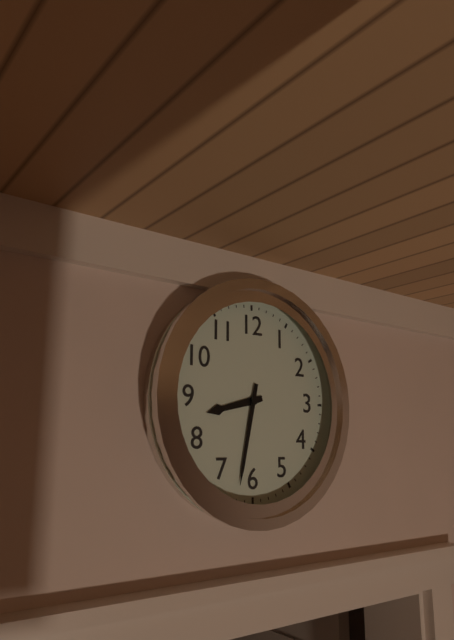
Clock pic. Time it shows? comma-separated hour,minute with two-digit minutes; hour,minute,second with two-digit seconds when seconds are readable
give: 8,32
